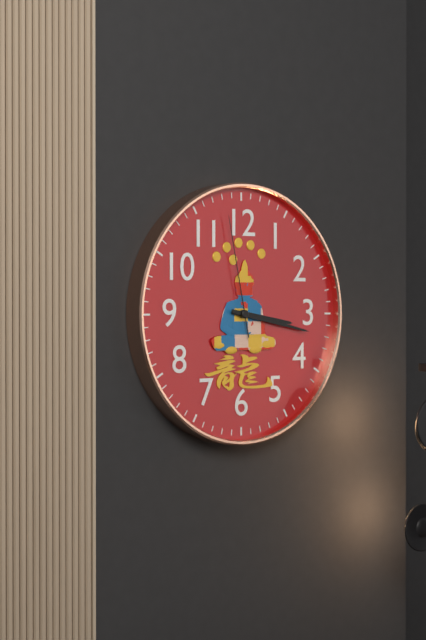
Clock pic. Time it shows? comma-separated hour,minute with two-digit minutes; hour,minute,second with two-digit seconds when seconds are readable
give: 3,17,58
